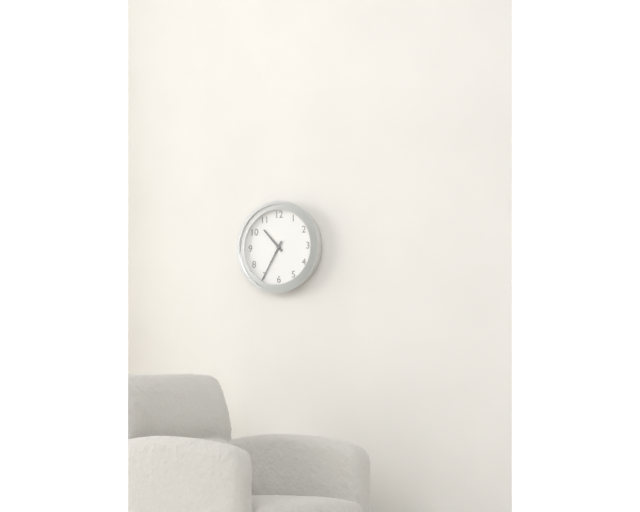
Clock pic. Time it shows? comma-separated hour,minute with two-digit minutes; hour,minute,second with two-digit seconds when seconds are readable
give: 10,35
